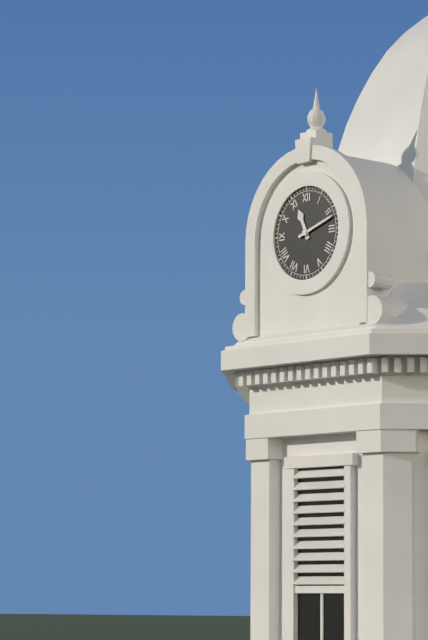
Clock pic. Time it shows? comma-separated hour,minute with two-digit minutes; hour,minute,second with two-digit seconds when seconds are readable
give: 11,12
